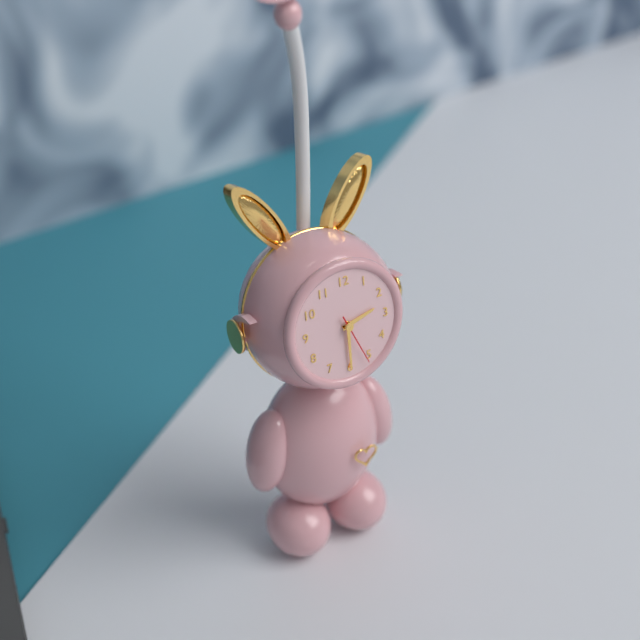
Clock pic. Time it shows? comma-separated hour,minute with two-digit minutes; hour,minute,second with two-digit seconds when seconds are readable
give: 2,30,26
